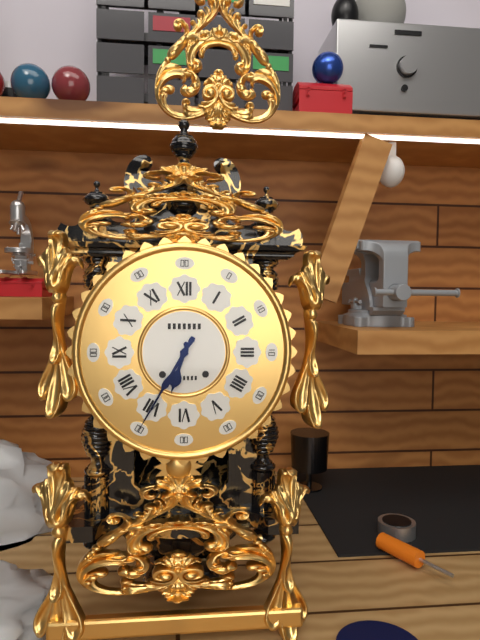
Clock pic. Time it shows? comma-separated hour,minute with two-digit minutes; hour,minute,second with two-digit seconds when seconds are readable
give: 6,35
